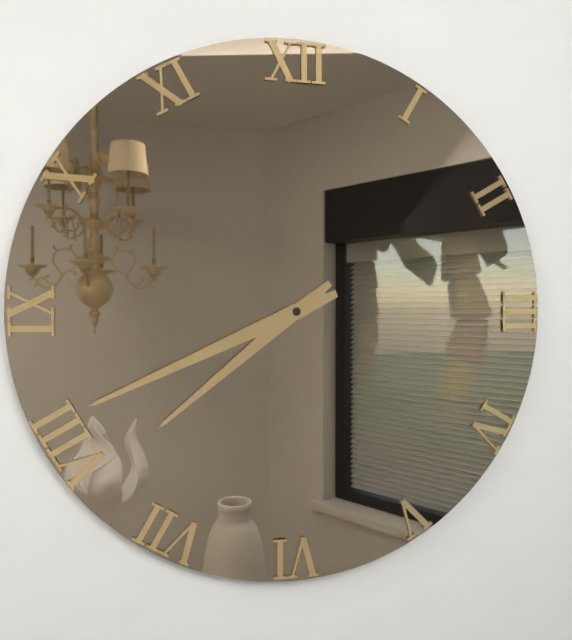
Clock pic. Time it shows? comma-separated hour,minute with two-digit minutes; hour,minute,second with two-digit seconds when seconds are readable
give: 7,41
